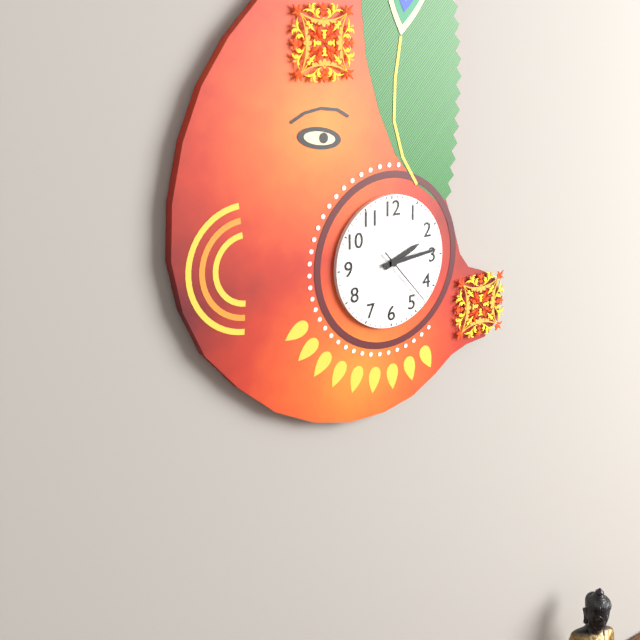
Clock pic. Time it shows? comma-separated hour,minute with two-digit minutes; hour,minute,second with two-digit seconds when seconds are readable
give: 2,14,23
